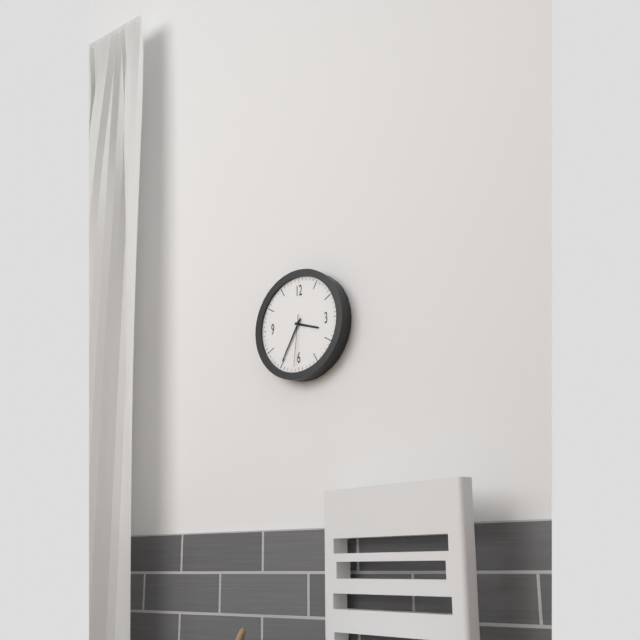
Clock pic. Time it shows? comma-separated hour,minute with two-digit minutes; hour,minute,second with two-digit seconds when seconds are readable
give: 3,35,31
